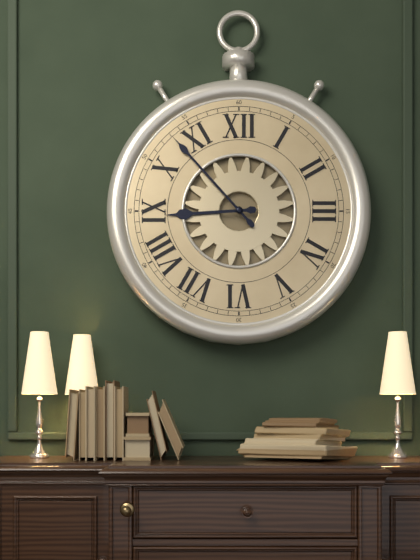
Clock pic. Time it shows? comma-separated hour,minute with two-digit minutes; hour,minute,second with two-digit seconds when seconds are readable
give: 8,53
